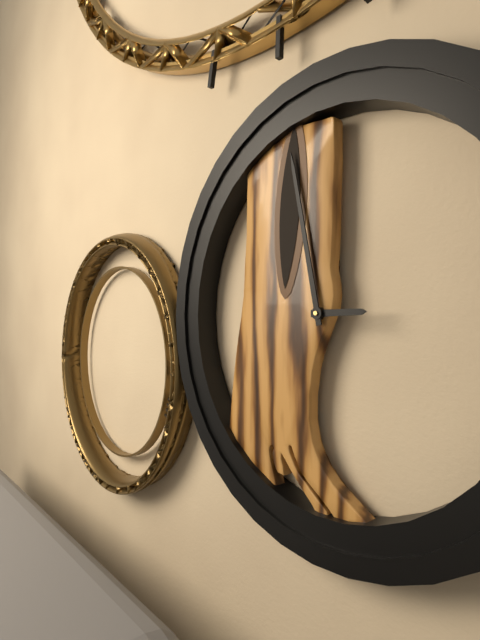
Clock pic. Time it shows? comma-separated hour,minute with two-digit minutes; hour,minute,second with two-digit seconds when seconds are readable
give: 2,58
